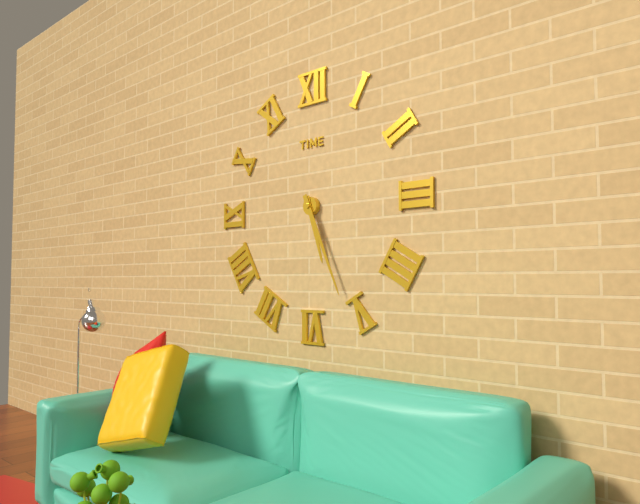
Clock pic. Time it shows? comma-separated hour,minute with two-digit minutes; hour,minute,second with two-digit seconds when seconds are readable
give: 5,26
